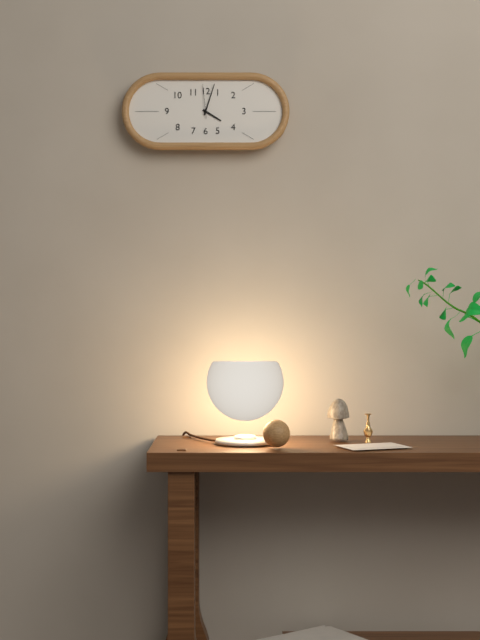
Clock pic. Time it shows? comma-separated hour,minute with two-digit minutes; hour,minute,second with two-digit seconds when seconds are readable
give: 4,03
